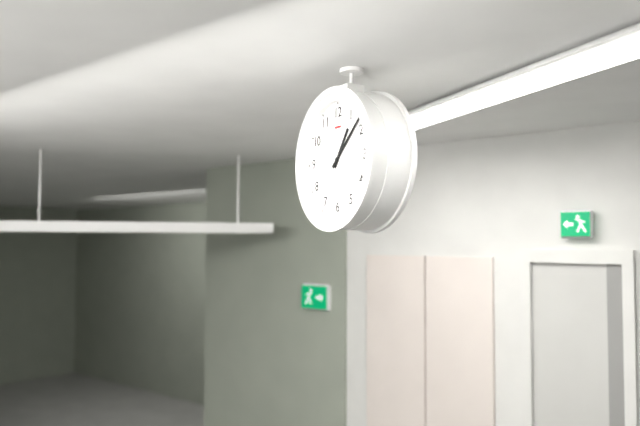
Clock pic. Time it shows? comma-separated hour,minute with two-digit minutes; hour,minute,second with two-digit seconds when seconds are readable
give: 1,08
